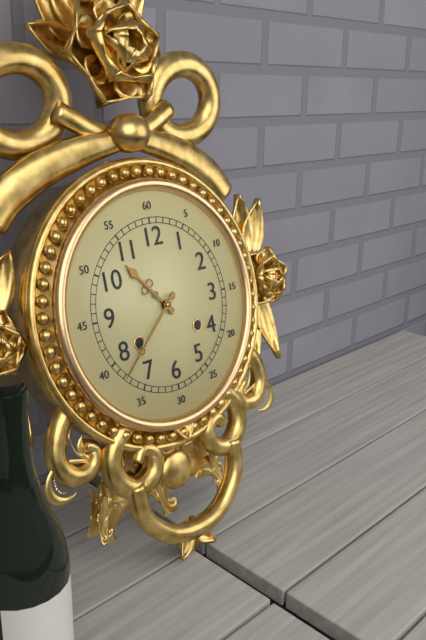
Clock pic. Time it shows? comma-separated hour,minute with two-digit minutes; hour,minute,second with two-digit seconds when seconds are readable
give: 10,38
